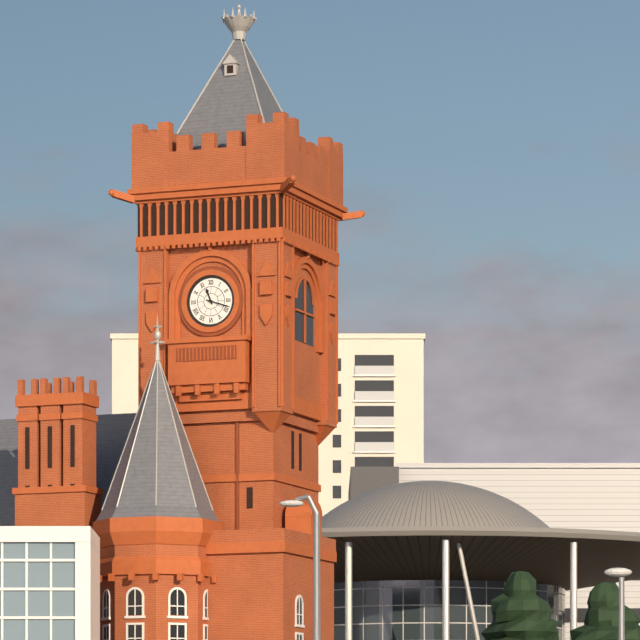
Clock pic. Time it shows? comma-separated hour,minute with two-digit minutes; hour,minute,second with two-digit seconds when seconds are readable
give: 11,18
